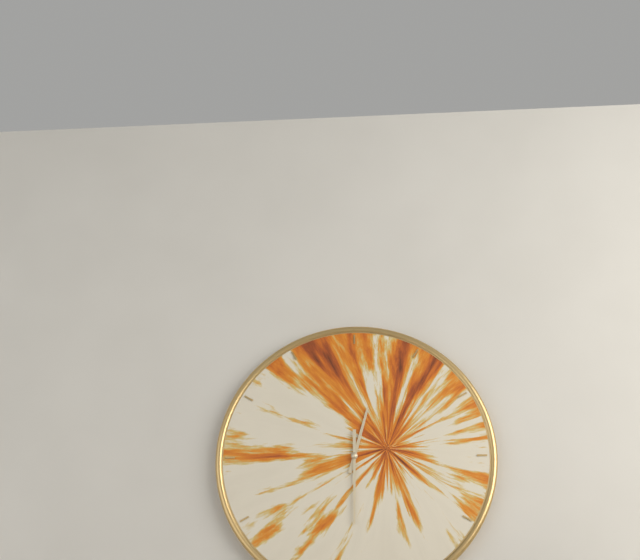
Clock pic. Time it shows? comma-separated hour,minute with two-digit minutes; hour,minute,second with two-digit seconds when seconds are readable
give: 12,30
